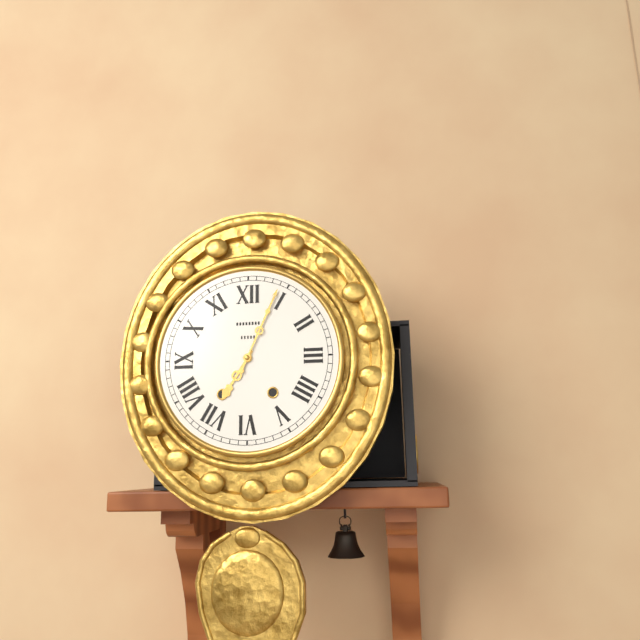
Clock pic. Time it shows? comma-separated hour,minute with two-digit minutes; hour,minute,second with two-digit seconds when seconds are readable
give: 7,04
